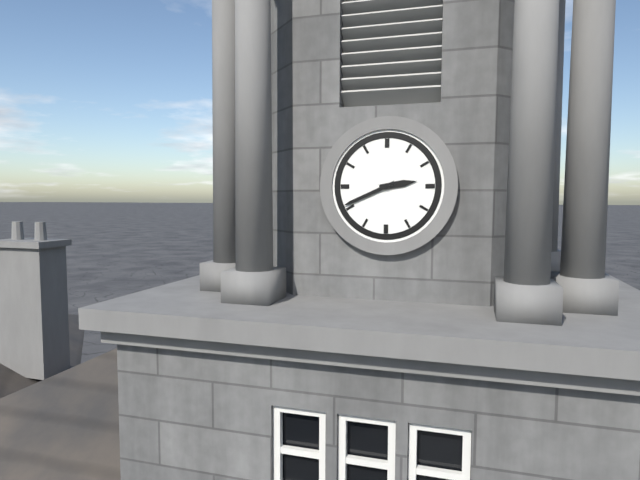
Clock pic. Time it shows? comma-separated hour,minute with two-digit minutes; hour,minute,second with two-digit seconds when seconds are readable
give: 2,41
